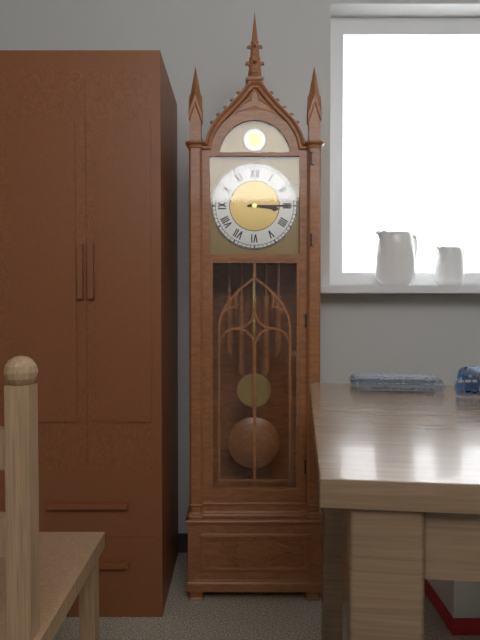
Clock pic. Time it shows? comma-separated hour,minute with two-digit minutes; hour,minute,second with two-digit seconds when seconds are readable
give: 3,15
